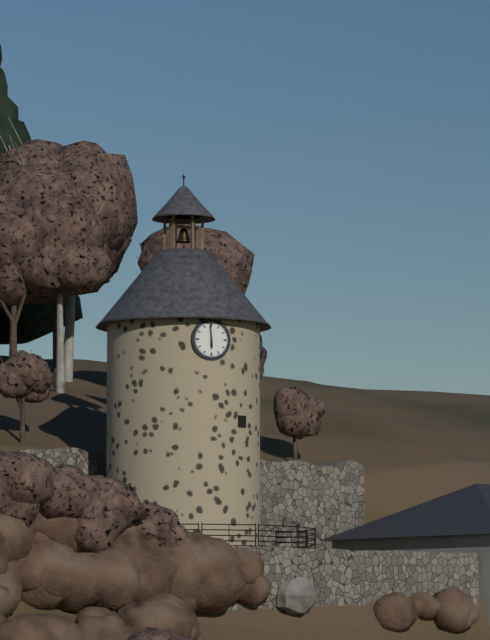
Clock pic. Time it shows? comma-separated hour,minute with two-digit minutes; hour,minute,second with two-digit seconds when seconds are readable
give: 5,59
